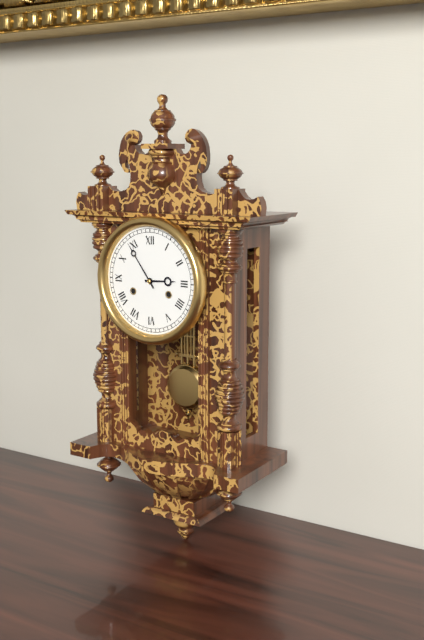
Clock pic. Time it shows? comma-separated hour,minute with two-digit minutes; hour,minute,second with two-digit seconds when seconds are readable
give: 2,54
